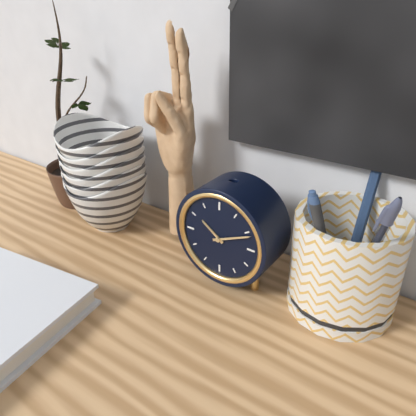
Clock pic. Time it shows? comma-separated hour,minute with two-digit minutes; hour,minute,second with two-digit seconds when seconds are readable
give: 10,11
